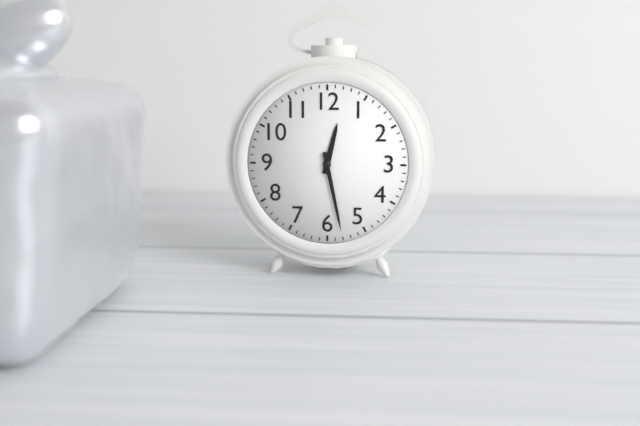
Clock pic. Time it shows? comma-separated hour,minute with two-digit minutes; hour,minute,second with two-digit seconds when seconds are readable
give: 12,28
